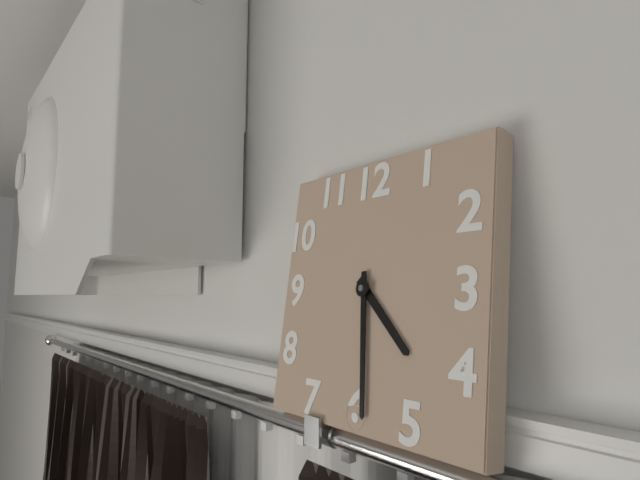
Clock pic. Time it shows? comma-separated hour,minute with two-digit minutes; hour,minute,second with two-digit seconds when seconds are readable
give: 4,29
